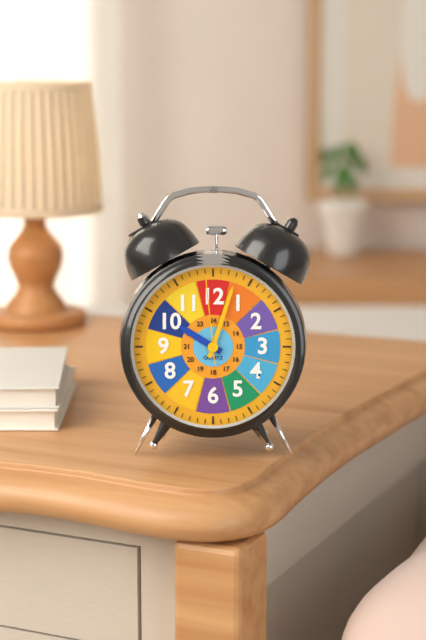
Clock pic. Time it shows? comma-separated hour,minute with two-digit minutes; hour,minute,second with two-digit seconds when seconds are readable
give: 10,03,59
